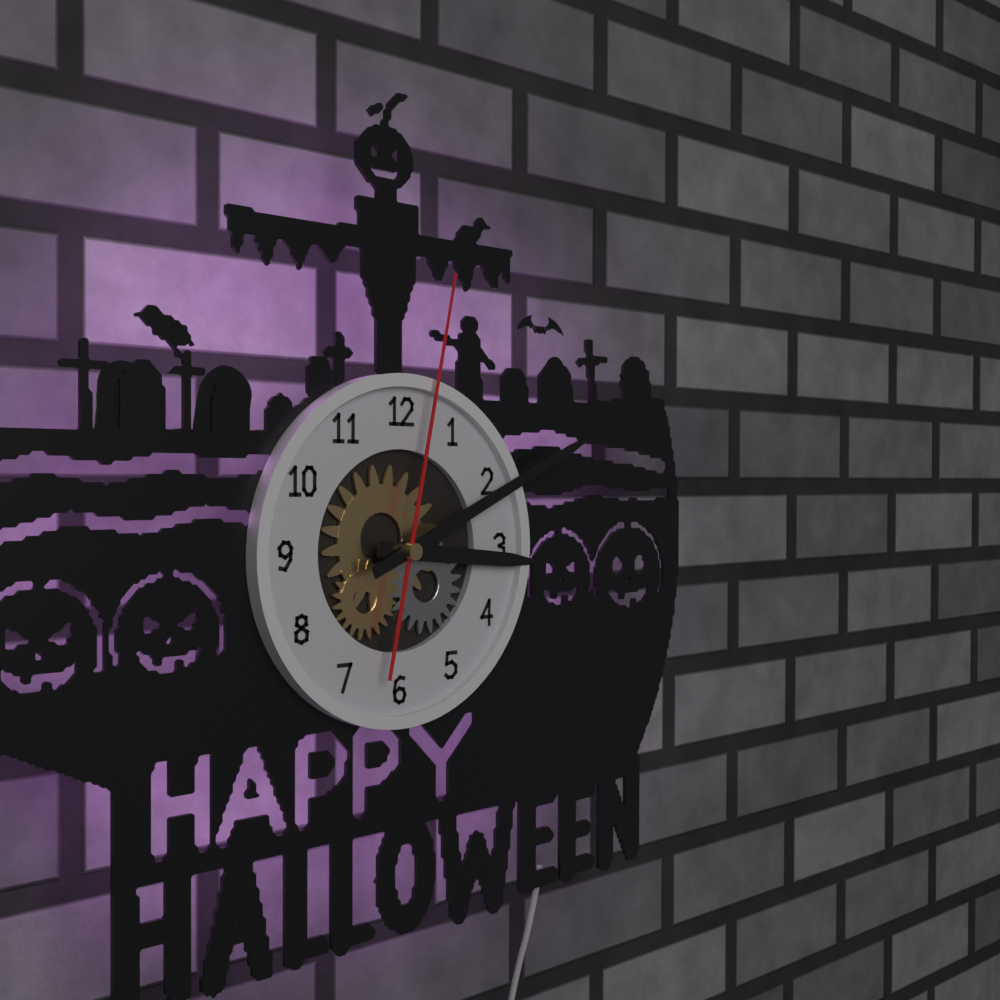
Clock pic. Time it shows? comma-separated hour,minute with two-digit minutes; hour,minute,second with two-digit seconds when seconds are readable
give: 3,11,02
